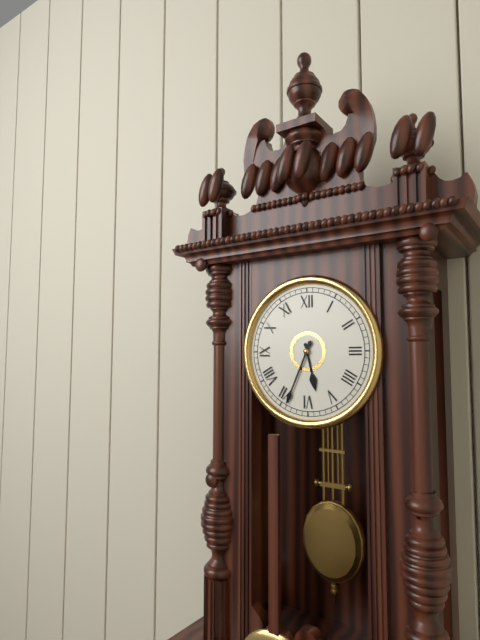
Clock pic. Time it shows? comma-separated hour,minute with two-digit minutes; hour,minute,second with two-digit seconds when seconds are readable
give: 5,34
